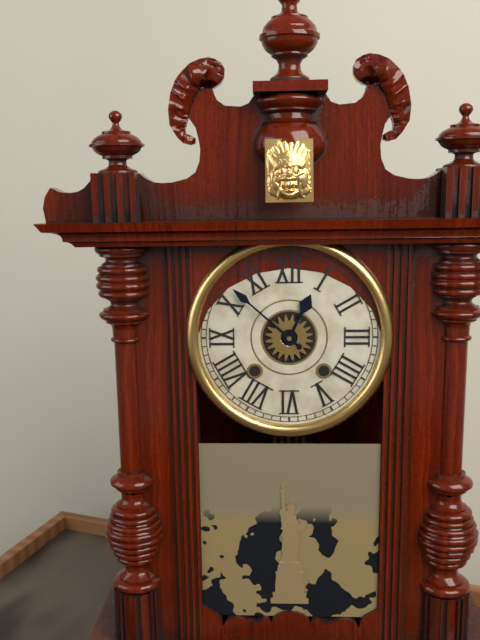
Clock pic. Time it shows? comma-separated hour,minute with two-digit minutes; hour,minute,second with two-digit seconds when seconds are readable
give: 12,52
